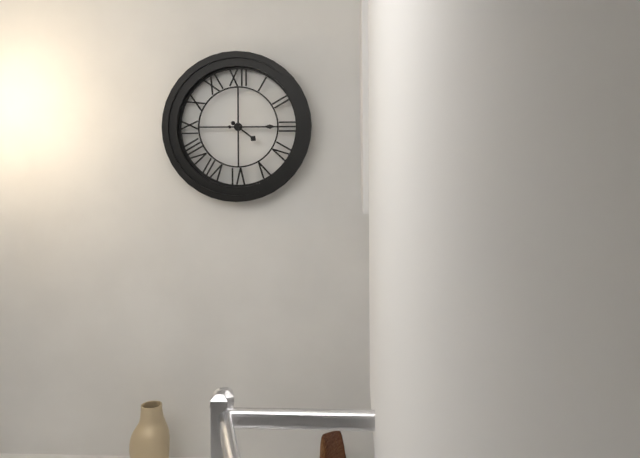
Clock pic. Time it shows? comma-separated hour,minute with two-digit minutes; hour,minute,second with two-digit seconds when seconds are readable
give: 4,15
